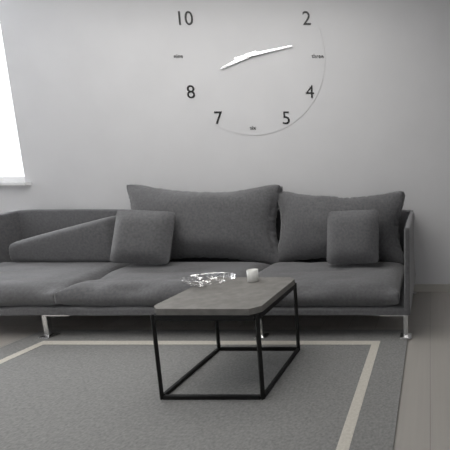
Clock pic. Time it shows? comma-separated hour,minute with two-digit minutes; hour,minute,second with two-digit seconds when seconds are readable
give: 8,13
